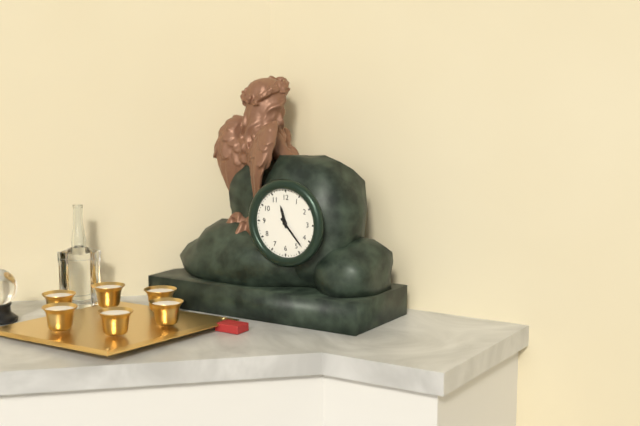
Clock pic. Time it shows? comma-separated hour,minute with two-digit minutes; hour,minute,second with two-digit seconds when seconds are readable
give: 11,23
